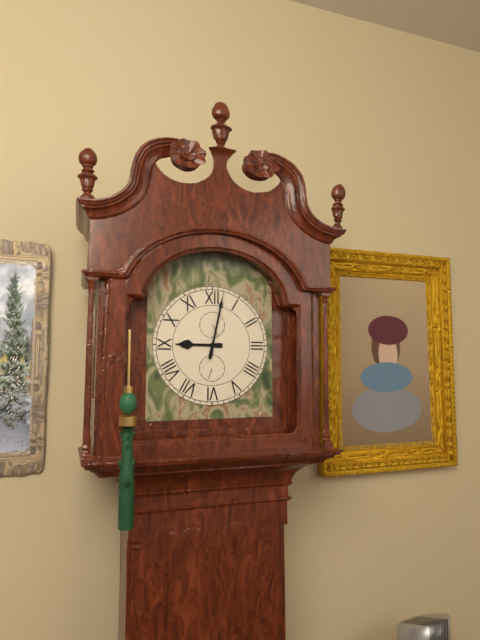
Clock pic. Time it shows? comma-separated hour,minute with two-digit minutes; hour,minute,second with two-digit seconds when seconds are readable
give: 9,02
